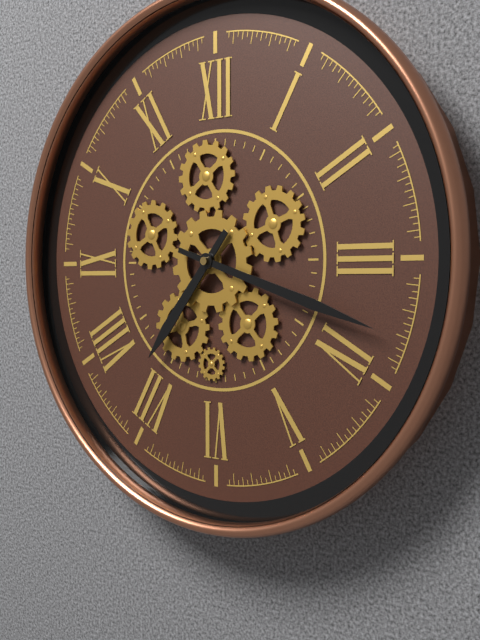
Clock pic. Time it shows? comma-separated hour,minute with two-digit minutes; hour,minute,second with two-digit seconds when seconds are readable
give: 7,18
